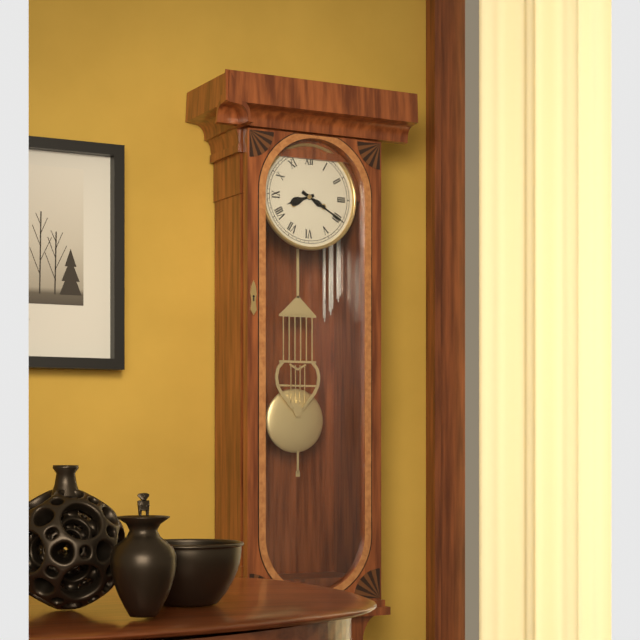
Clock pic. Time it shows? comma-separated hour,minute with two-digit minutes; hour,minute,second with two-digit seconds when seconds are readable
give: 8,20
